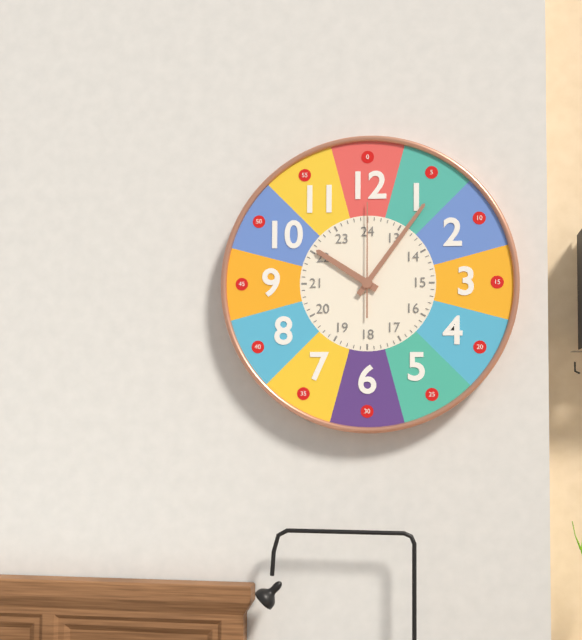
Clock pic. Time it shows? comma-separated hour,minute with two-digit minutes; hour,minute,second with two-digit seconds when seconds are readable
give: 10,06,00
